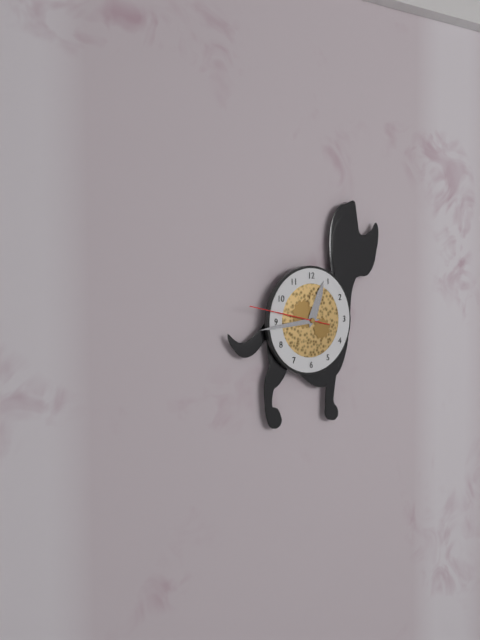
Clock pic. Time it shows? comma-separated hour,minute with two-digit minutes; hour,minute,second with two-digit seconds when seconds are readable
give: 12,44,47
